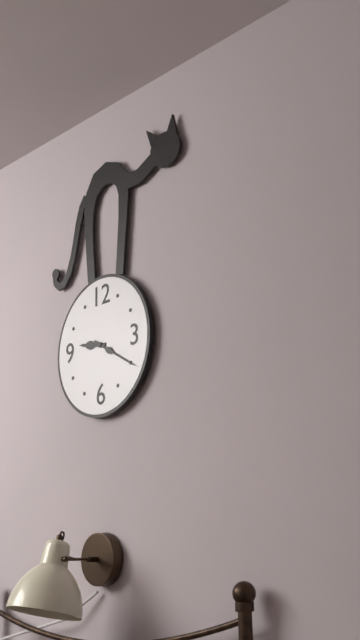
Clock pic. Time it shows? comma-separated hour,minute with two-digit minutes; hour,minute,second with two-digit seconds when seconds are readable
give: 9,20
